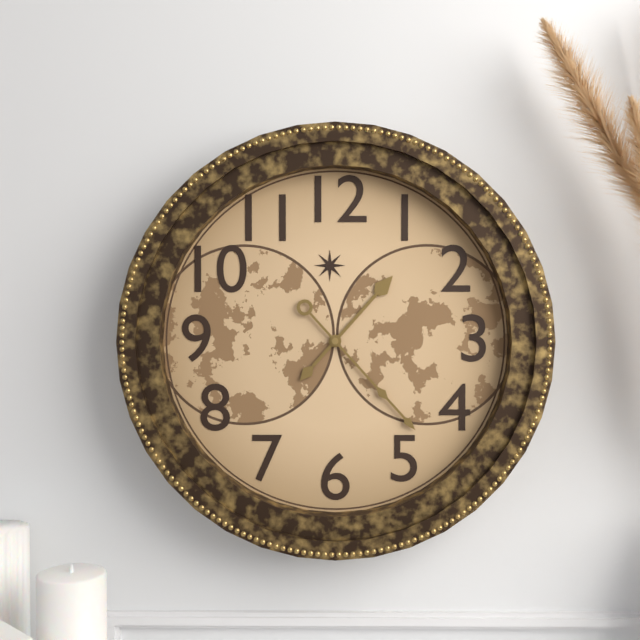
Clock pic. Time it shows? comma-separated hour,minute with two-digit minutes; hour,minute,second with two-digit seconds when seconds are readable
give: 1,23
